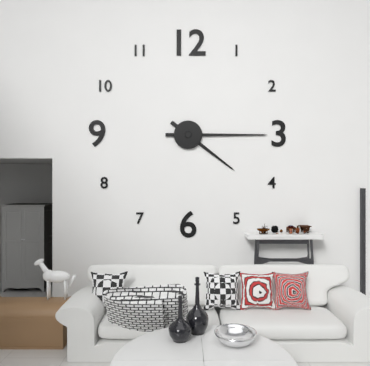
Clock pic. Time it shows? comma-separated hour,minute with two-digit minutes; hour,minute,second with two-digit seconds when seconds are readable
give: 4,15
